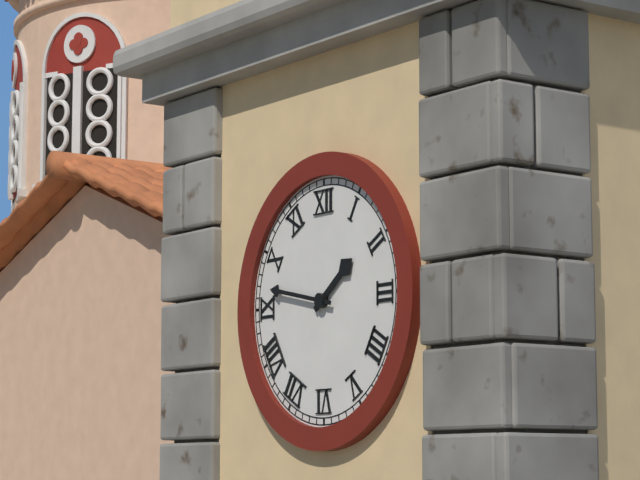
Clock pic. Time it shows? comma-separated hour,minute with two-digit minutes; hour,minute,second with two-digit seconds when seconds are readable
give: 1,47
